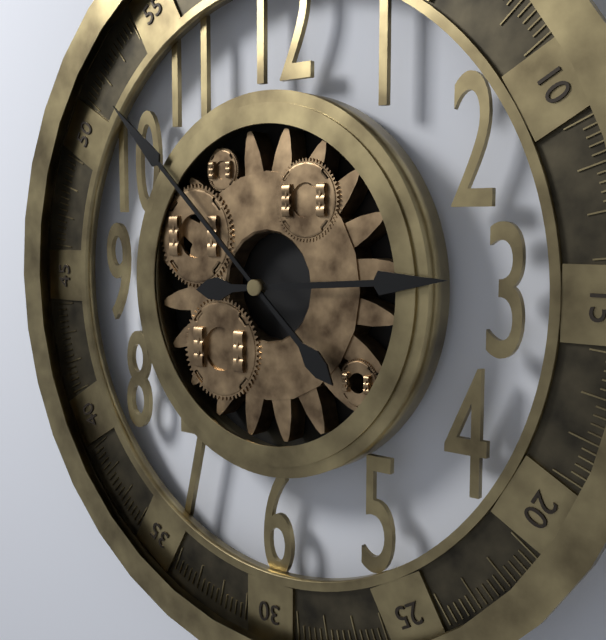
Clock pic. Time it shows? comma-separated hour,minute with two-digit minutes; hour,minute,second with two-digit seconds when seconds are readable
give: 2,52
